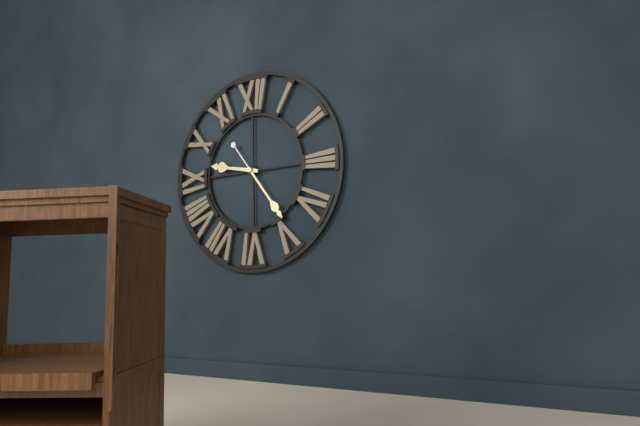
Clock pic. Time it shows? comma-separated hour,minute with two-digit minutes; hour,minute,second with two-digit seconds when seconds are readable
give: 9,24
